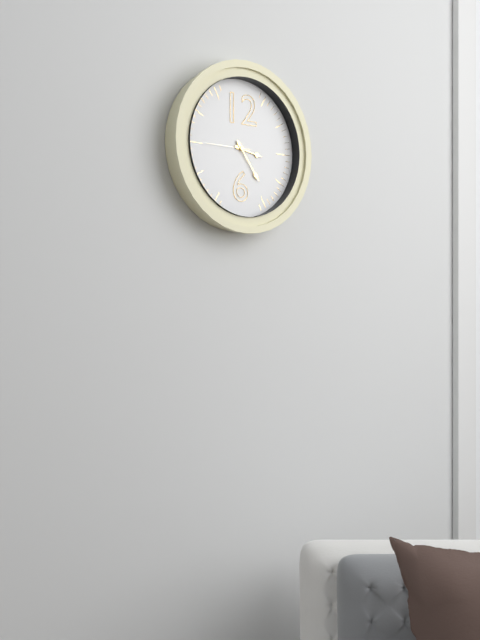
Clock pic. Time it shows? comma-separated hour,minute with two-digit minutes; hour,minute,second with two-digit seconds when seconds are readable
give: 3,24
